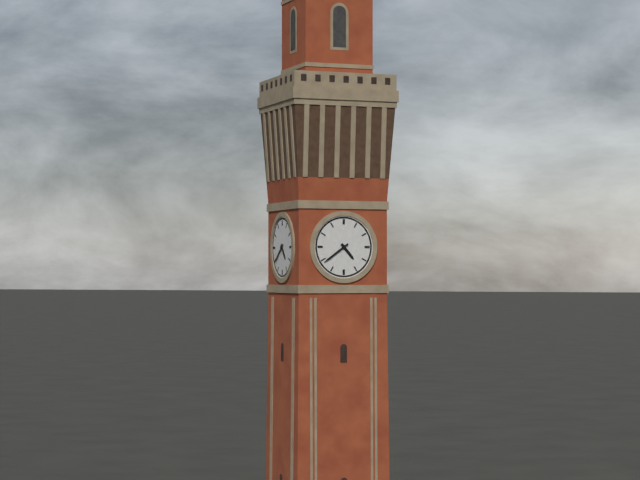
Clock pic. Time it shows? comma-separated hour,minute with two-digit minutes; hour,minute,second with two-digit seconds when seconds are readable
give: 4,39
